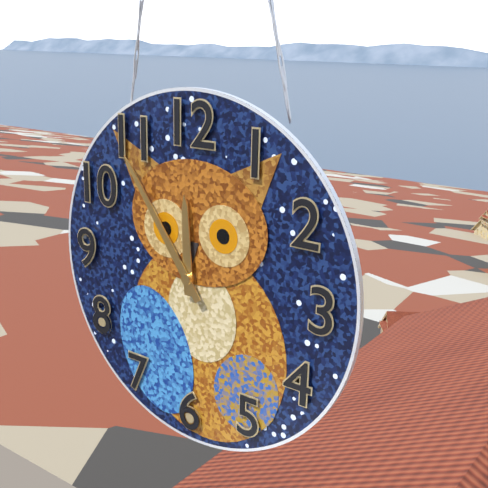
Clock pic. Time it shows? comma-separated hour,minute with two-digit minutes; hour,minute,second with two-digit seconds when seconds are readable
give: 11,54
